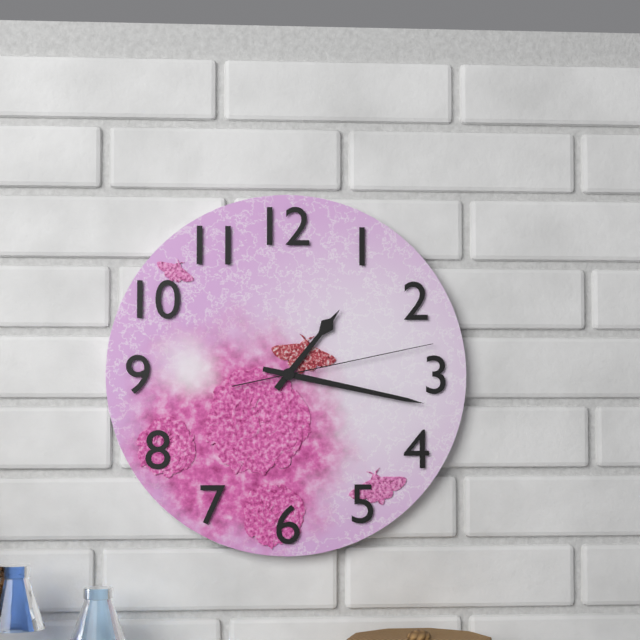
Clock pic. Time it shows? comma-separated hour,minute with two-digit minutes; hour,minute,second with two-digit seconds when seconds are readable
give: 1,17,13
